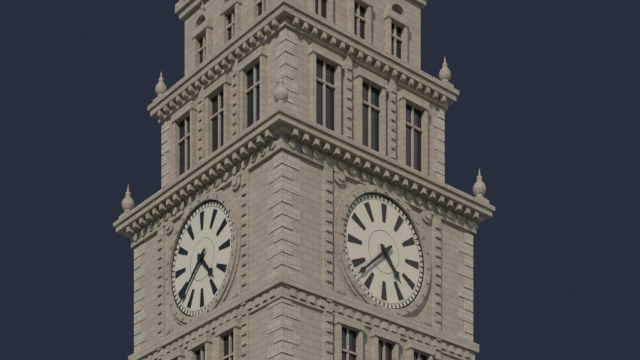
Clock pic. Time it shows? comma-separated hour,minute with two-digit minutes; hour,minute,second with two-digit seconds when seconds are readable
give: 4,38
